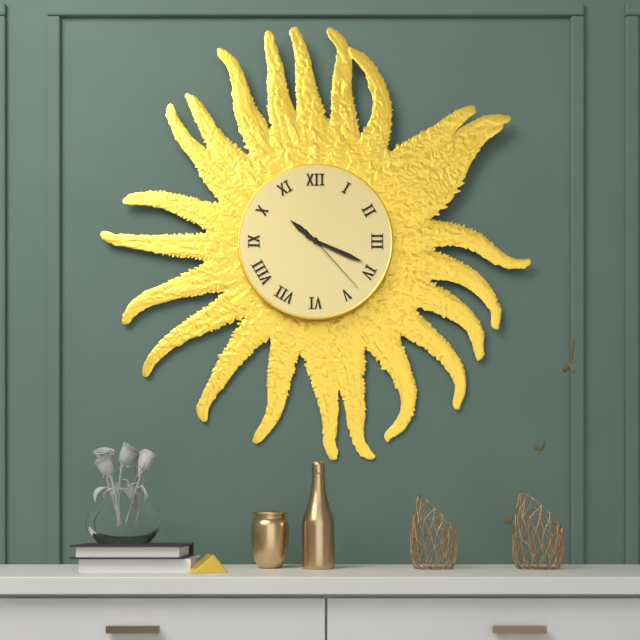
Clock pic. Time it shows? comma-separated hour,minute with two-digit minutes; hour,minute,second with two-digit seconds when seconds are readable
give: 10,19,23
